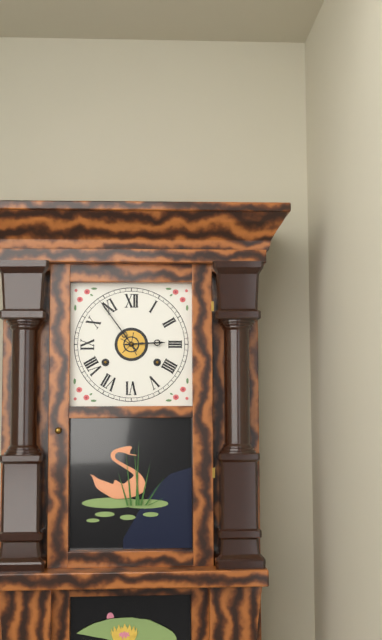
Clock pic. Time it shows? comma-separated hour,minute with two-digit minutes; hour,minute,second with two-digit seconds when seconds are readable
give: 2,54
